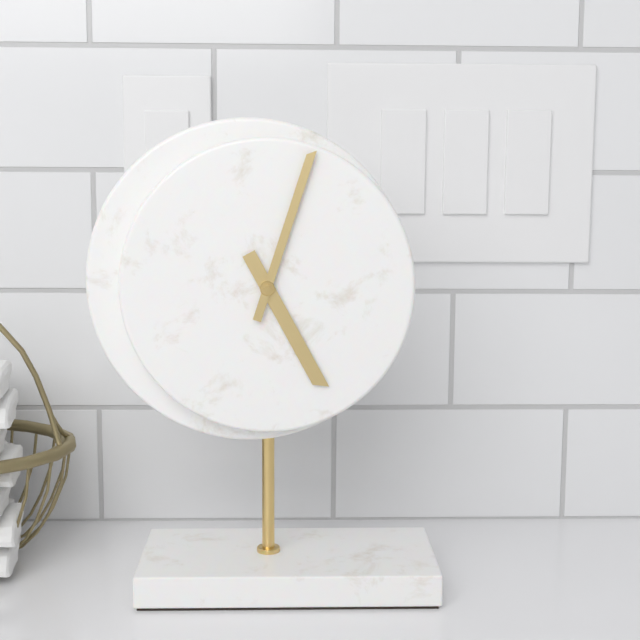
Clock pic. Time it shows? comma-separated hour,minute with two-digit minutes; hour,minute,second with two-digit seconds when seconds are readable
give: 5,03
